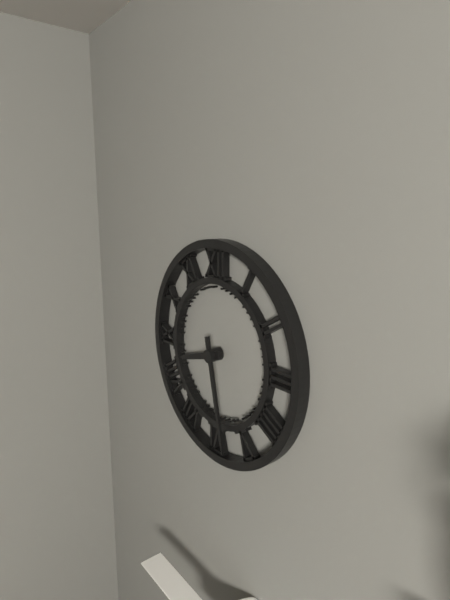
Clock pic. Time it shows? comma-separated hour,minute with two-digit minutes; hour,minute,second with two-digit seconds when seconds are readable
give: 8,28
